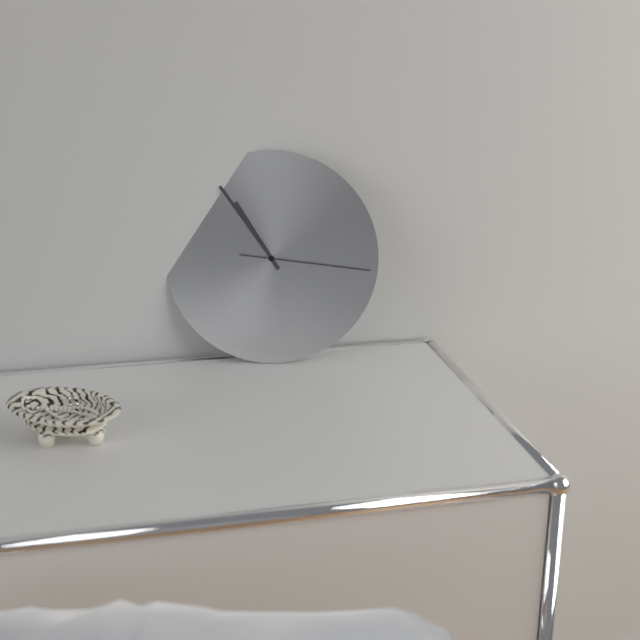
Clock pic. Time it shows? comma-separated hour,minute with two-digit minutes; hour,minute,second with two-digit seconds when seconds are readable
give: 10,54,16
